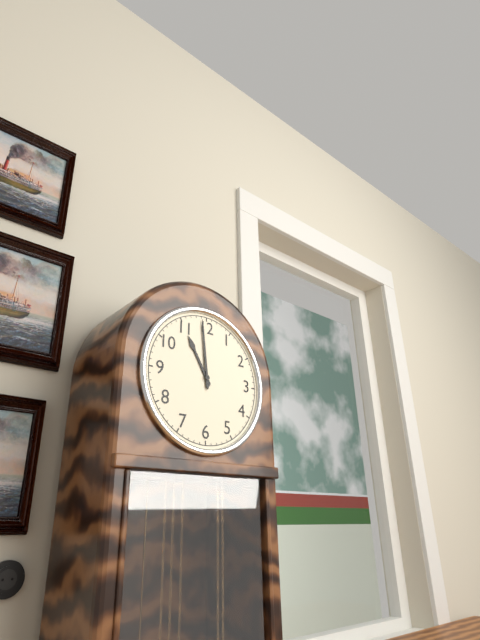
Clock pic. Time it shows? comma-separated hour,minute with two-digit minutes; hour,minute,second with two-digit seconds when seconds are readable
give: 10,59
